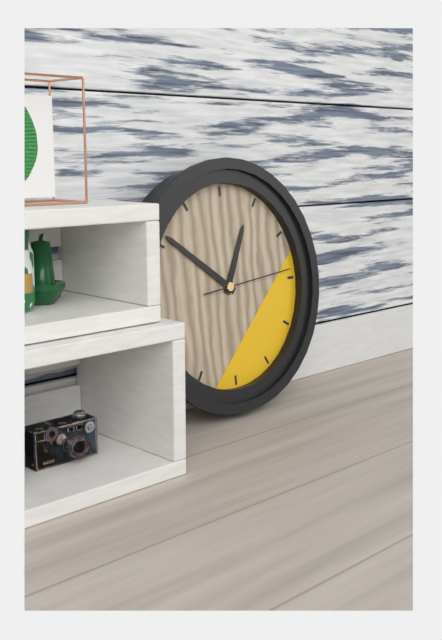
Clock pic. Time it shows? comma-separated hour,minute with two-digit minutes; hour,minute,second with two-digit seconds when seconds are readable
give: 12,51,14
